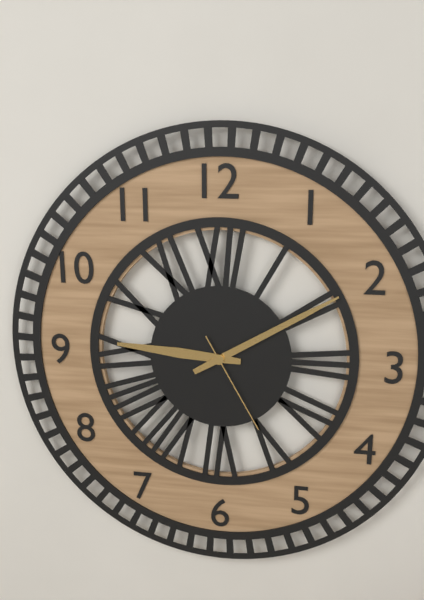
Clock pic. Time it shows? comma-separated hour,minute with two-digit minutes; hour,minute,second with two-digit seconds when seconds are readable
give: 9,10,25
